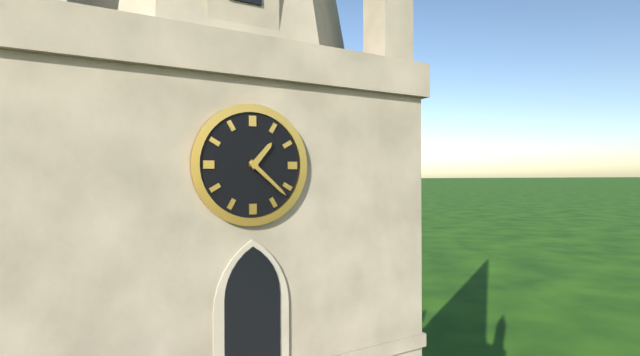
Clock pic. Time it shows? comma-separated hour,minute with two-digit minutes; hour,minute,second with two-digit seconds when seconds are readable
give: 1,22
